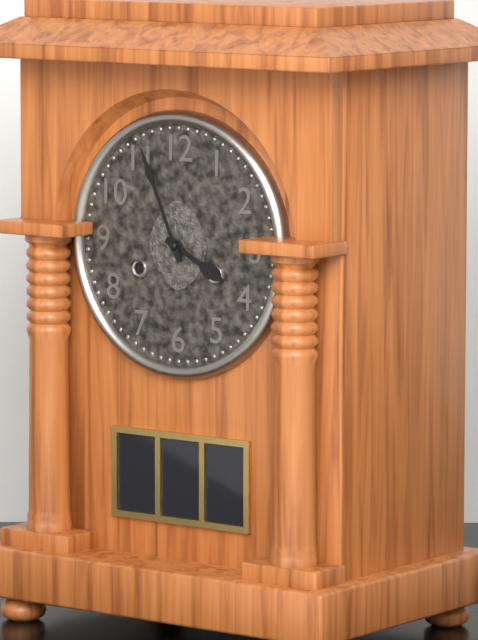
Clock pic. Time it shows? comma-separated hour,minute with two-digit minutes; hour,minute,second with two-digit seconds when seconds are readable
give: 3,56
